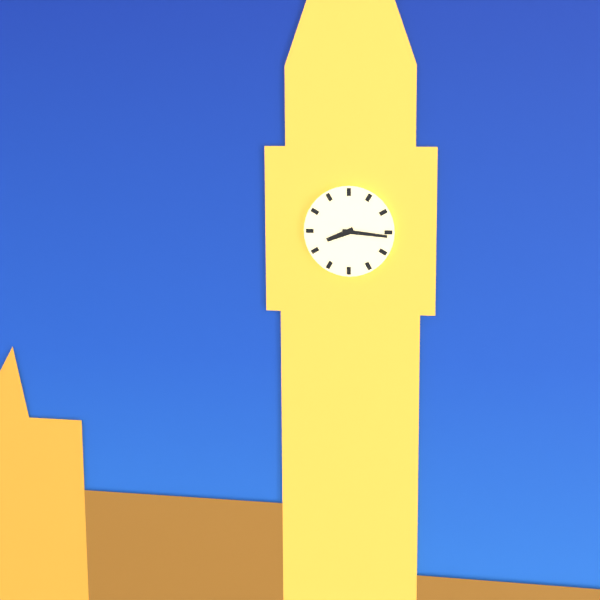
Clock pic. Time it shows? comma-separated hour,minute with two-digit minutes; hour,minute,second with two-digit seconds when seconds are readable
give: 8,16
